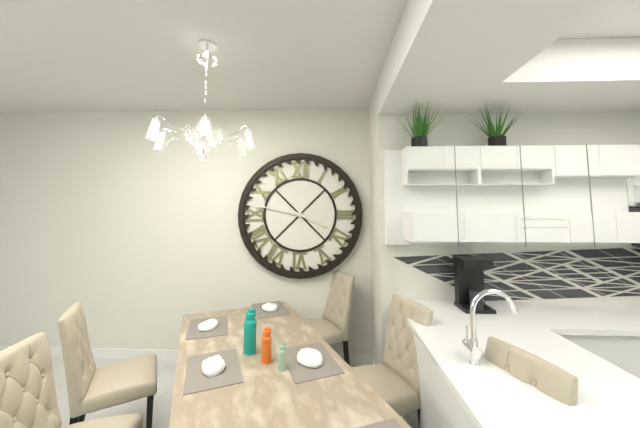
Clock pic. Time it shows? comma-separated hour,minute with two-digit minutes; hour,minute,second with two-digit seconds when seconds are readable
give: 3,47
